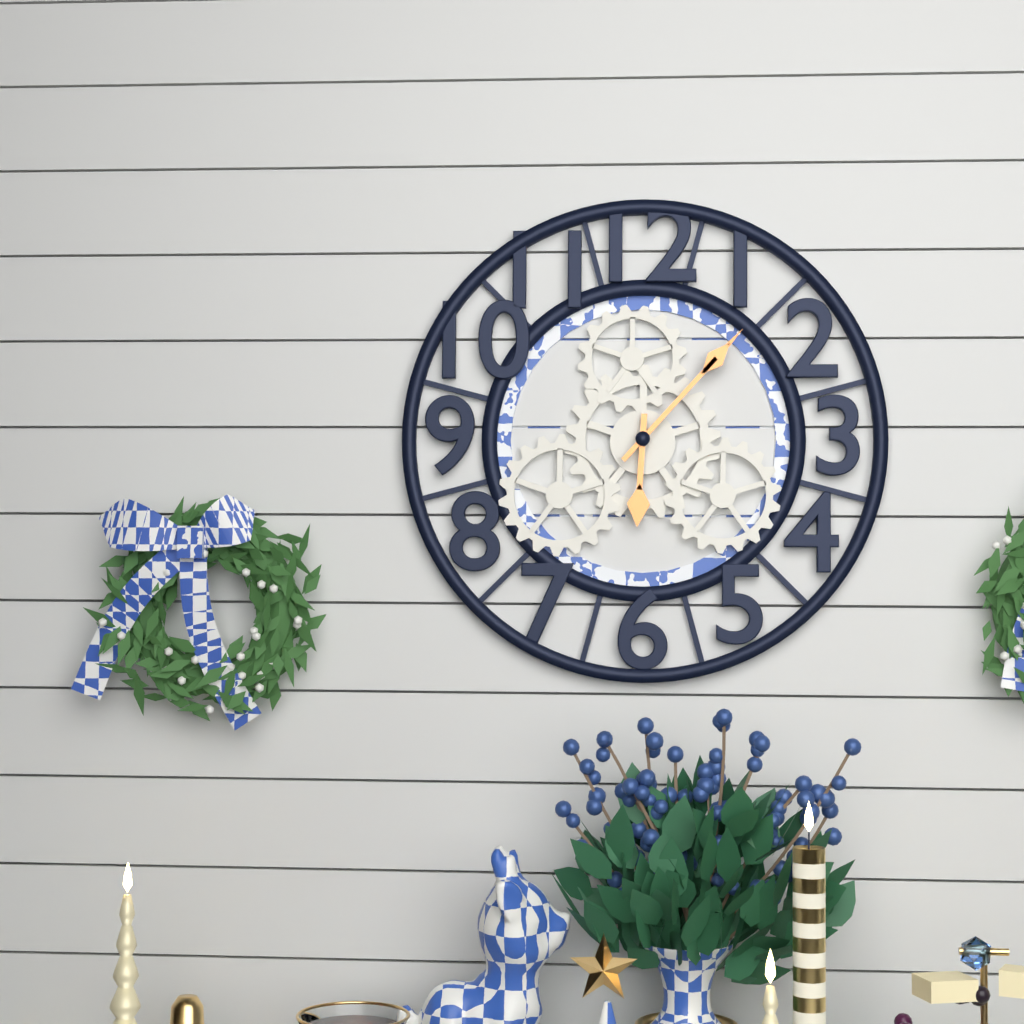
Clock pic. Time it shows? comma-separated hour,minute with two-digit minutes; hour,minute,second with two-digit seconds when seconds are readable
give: 6,07
